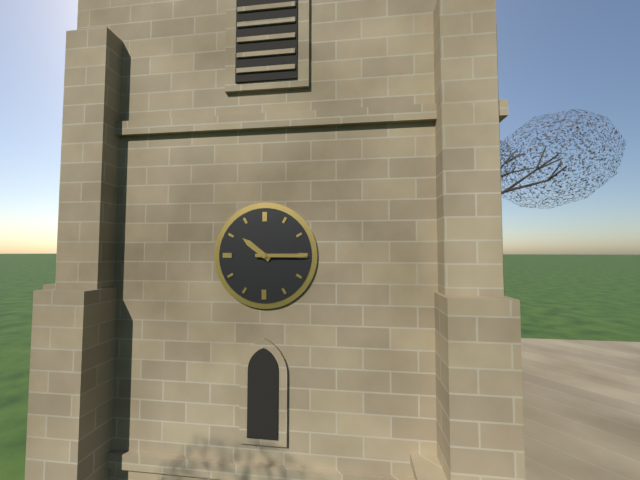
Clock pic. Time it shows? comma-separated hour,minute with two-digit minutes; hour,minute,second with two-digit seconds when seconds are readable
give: 10,15
